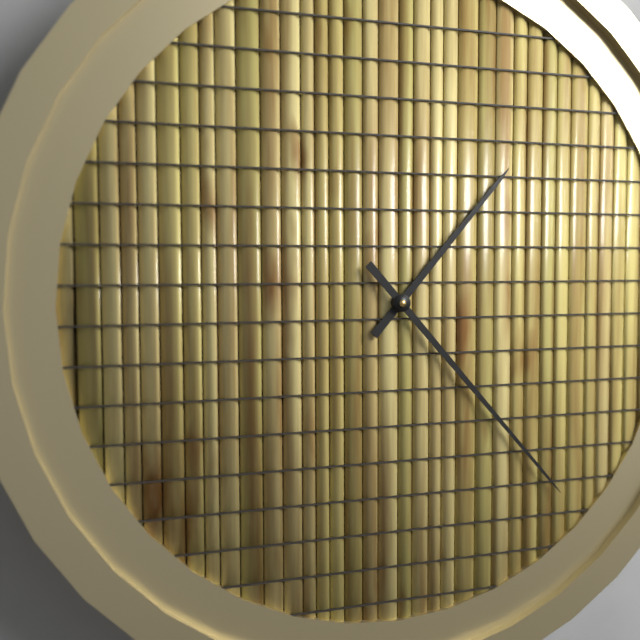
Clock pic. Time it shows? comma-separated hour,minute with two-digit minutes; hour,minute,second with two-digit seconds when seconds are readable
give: 1,23
